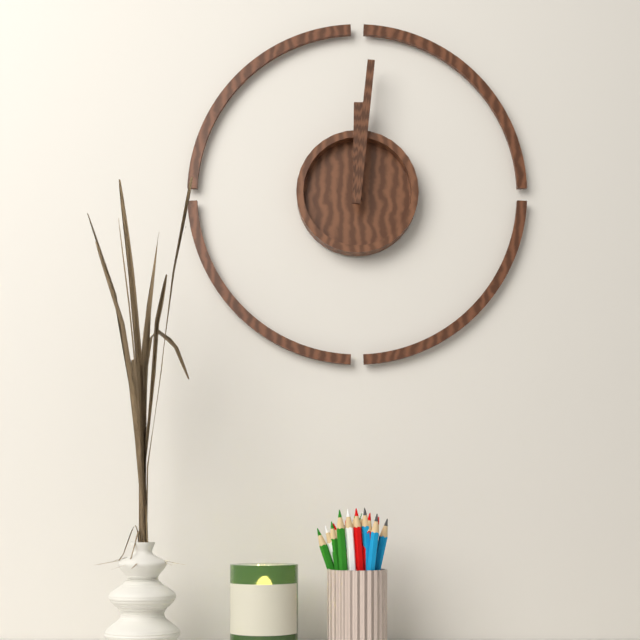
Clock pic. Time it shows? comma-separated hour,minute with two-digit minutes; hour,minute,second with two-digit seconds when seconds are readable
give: 12,01
